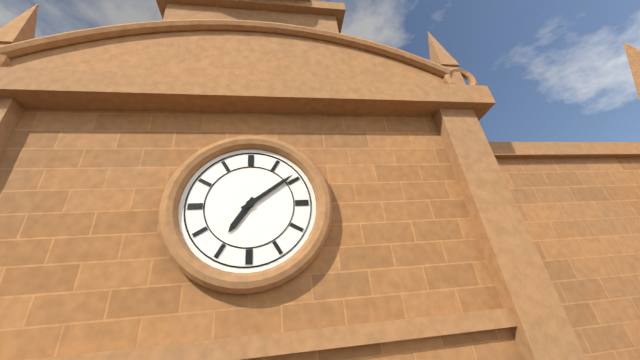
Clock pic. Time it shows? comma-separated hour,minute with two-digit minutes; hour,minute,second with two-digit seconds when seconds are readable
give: 7,09
